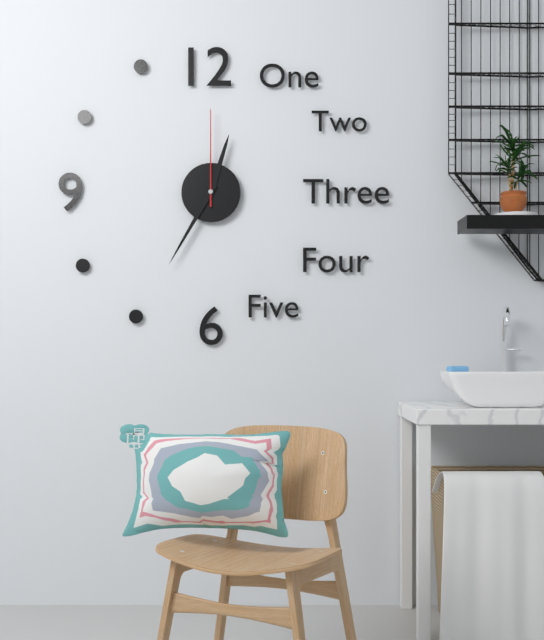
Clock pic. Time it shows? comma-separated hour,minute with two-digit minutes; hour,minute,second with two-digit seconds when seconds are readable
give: 12,35,00
